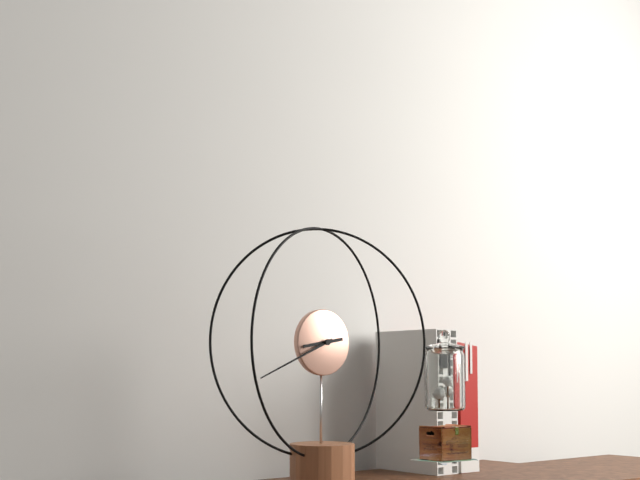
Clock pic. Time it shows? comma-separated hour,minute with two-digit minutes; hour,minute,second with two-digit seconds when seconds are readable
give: 8,41
